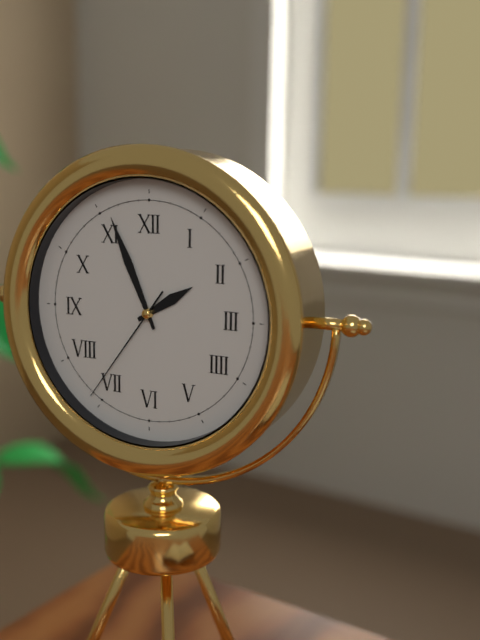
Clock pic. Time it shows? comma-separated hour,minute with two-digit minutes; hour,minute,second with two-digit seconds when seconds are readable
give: 1,56,36
